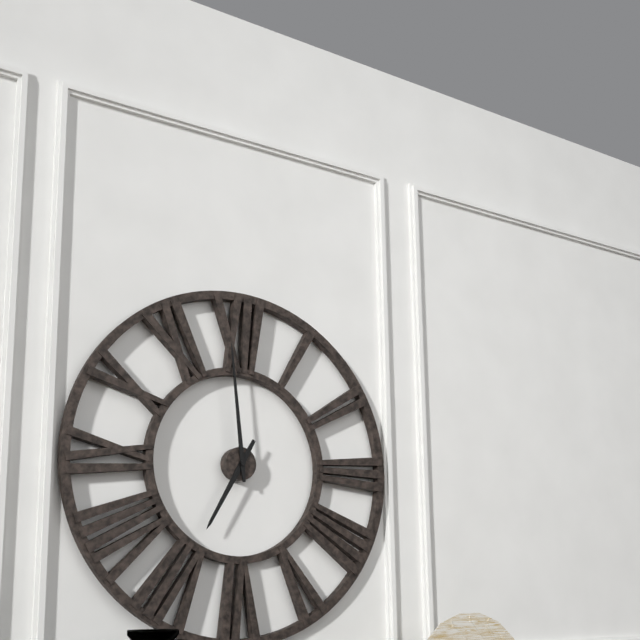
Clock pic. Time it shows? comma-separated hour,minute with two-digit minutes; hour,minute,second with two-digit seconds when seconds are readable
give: 6,59
